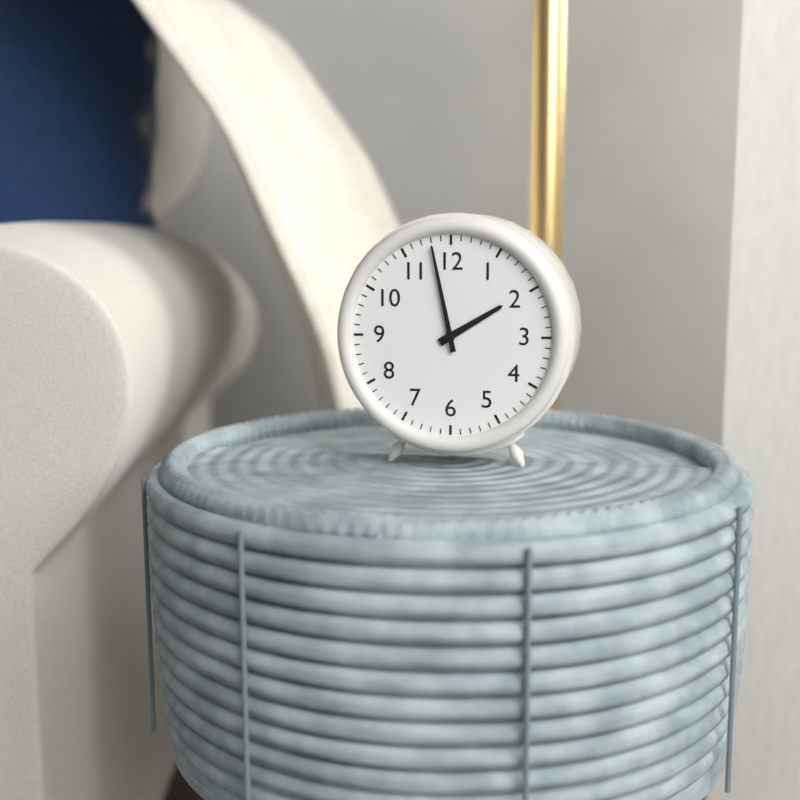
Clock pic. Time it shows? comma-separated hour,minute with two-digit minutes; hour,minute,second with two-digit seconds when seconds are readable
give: 1,58
